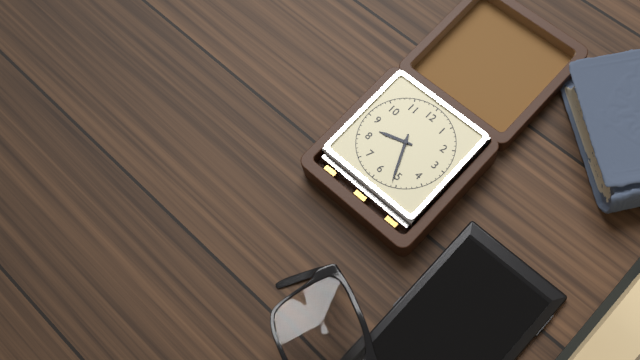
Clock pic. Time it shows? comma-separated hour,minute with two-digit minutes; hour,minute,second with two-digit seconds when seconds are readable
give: 8,26
